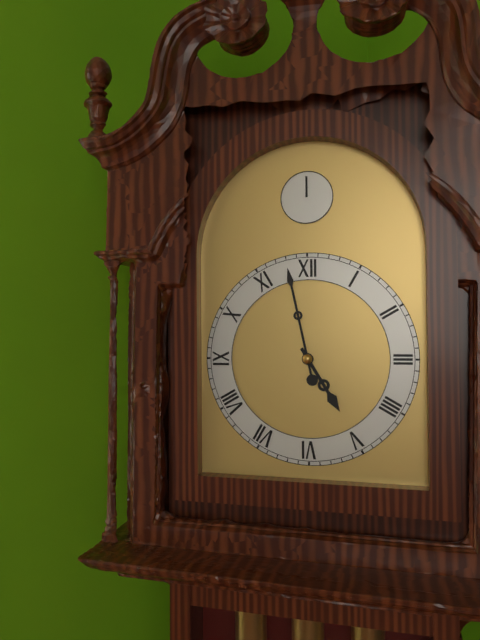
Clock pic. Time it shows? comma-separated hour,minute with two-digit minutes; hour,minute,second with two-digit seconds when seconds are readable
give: 4,58
